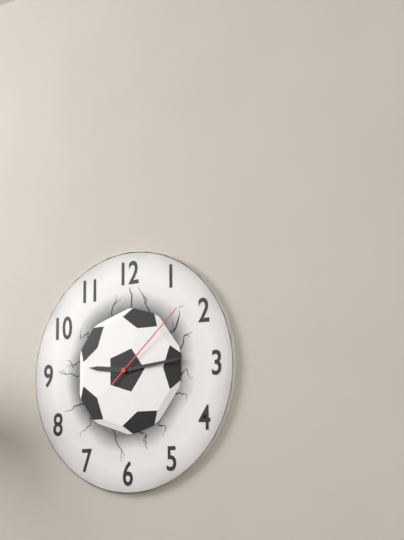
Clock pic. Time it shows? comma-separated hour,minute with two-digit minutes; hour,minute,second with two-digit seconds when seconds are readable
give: 9,14,08
